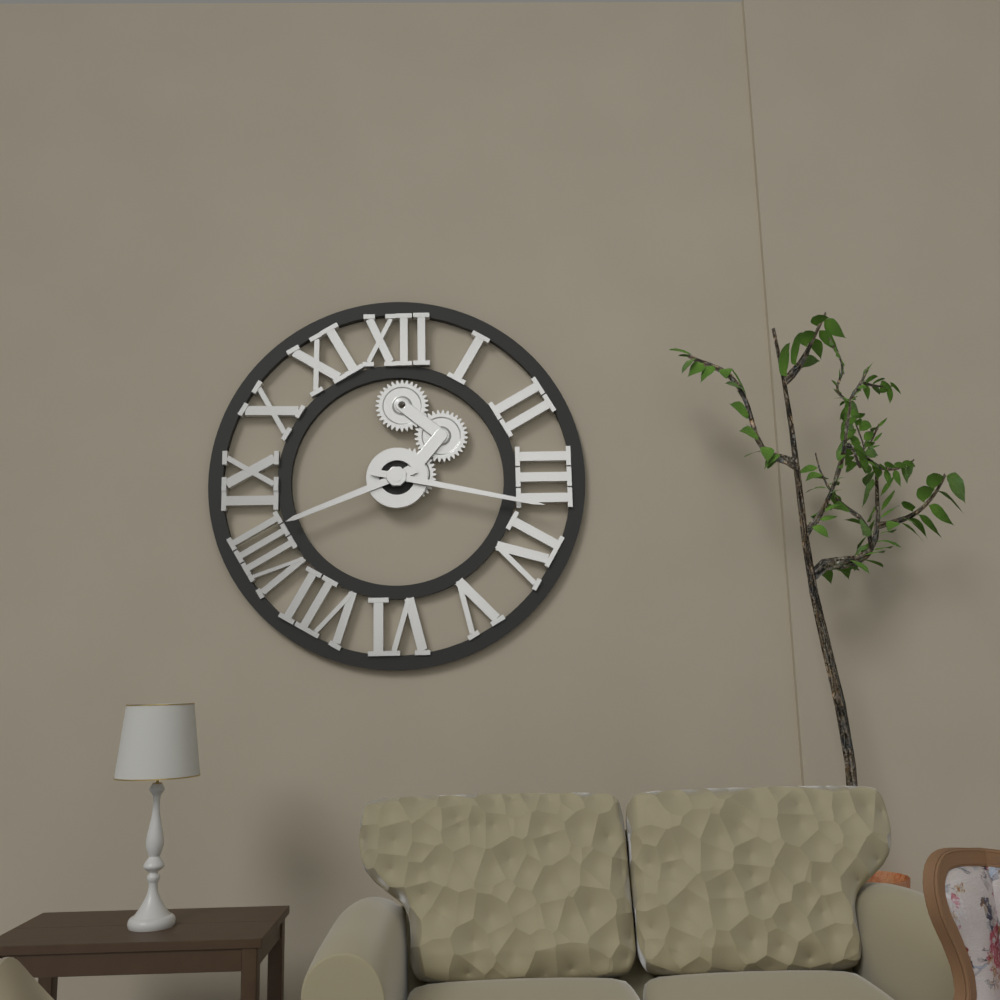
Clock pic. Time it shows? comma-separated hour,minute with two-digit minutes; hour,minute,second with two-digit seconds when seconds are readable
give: 8,17
